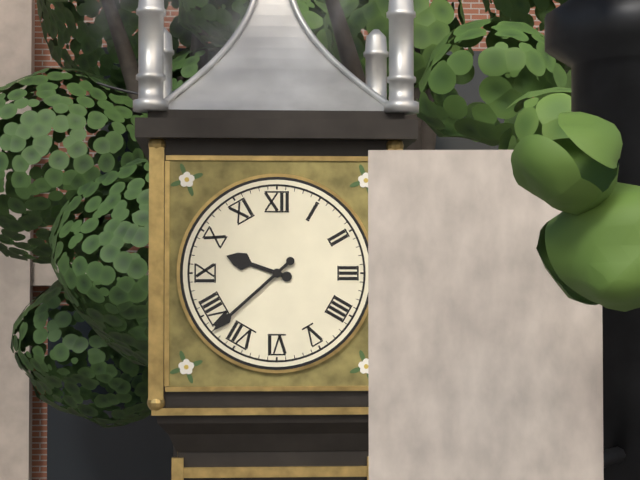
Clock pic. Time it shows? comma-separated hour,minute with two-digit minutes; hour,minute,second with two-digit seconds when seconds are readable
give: 9,38
